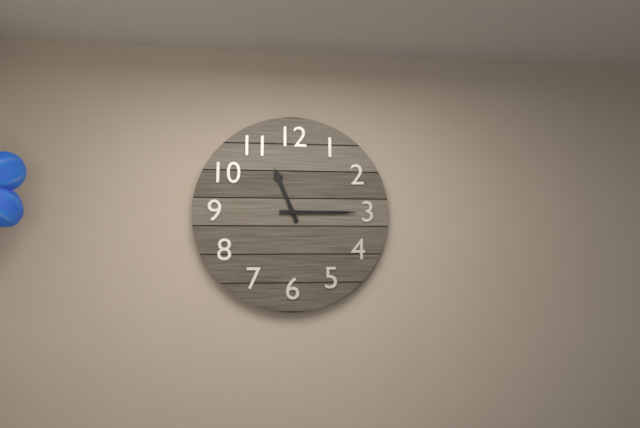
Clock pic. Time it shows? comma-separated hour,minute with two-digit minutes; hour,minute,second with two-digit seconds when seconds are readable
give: 11,15
